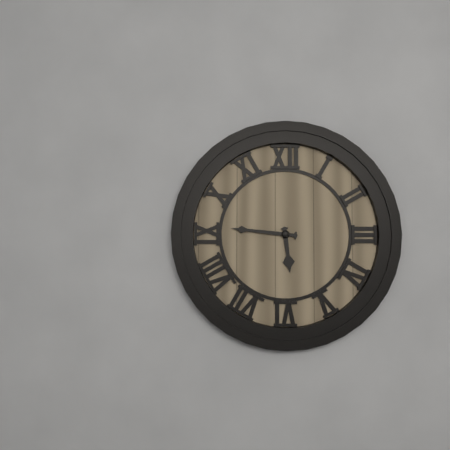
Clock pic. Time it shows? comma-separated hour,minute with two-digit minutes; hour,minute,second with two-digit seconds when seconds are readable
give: 5,46
